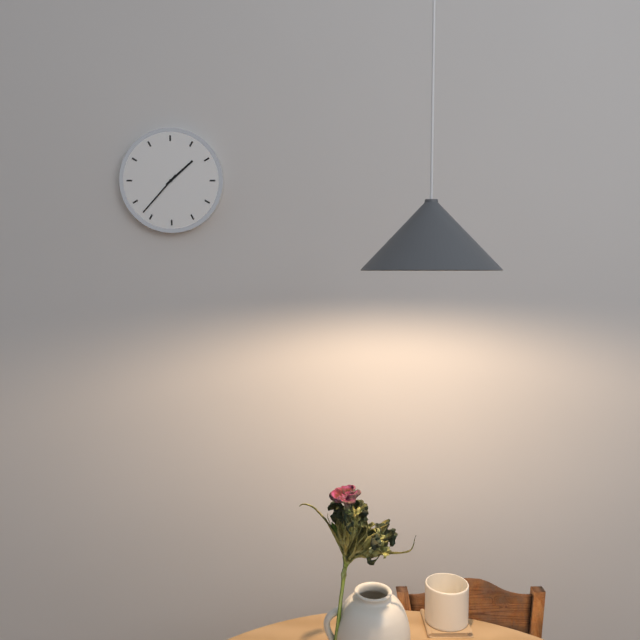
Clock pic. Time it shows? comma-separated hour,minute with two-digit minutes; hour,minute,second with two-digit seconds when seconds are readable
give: 1,37
